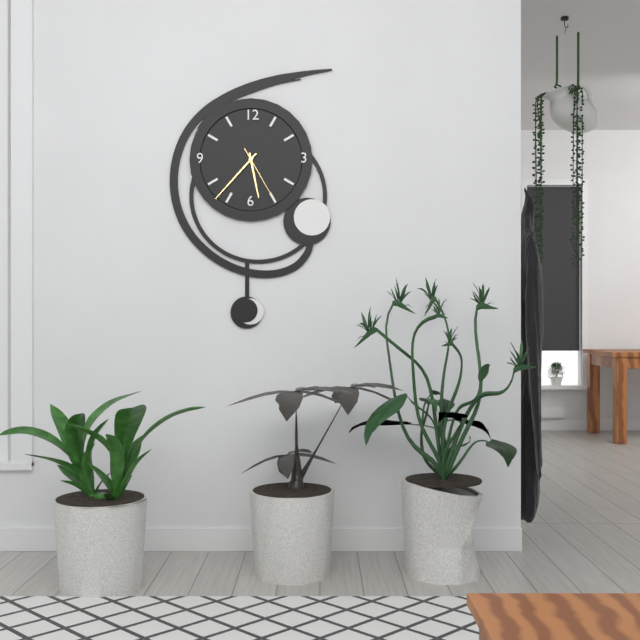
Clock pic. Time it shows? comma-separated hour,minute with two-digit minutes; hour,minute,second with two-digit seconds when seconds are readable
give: 5,37,25
